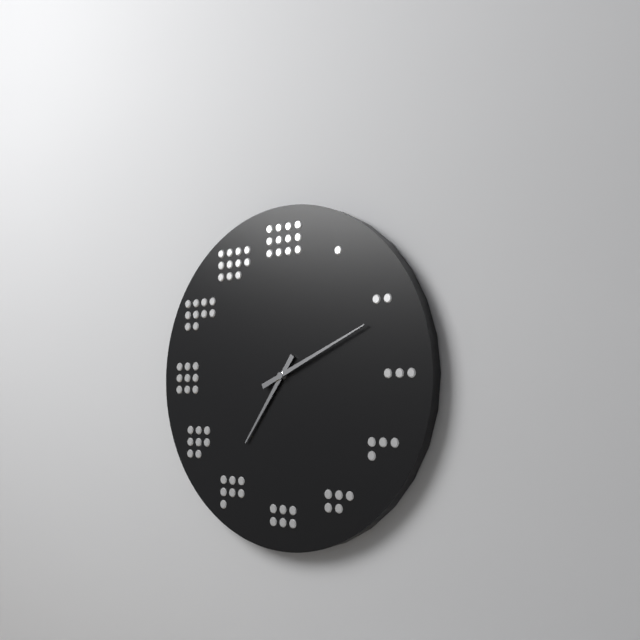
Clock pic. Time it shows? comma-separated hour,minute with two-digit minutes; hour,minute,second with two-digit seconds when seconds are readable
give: 7,11
